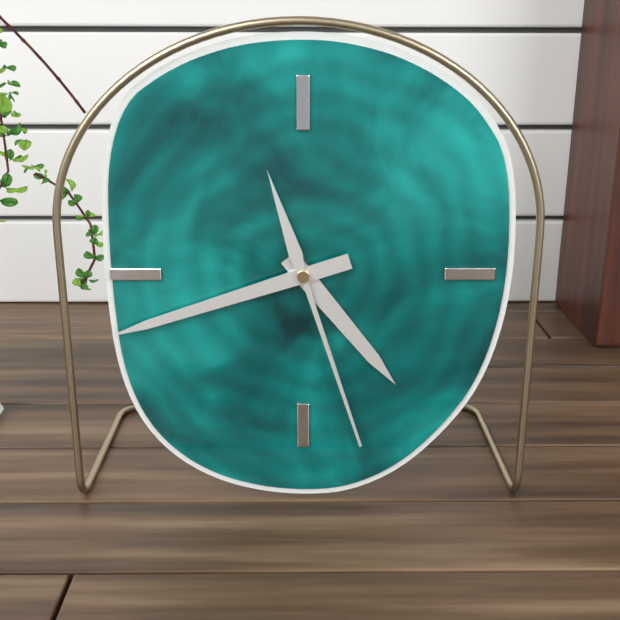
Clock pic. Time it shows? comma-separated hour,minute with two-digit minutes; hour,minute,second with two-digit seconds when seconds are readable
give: 4,42,27
